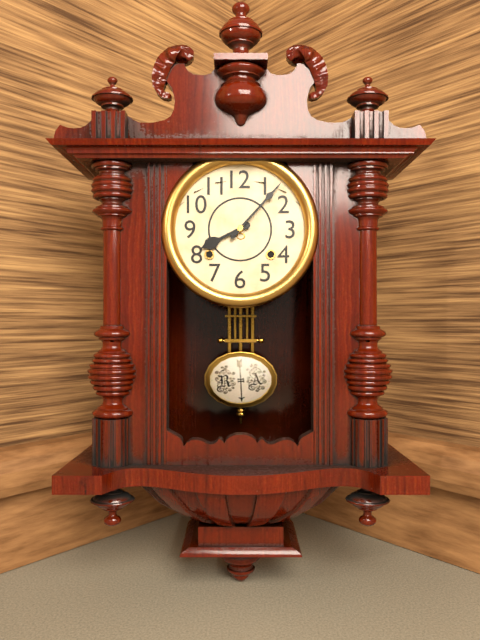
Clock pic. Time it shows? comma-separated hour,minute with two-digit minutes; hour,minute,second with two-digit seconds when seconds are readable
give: 8,07
